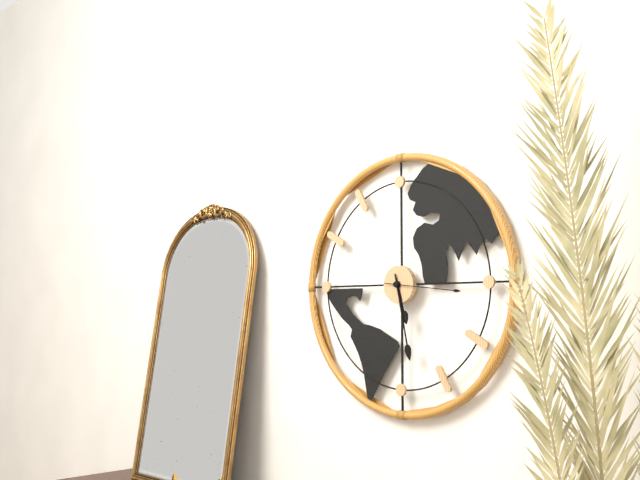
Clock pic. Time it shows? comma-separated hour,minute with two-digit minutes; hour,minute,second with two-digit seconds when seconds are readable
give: 5,28,16
